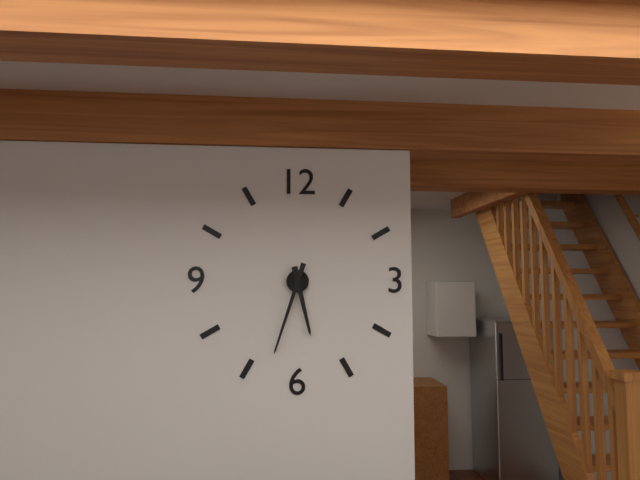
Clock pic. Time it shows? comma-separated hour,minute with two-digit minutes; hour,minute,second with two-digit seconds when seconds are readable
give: 5,33
